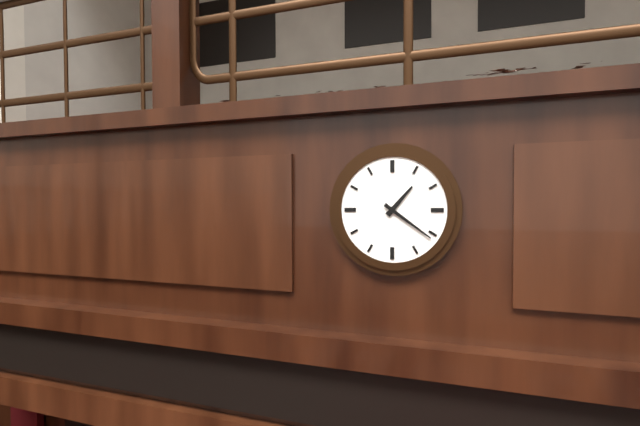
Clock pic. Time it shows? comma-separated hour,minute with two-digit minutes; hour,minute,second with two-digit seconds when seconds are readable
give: 1,21
